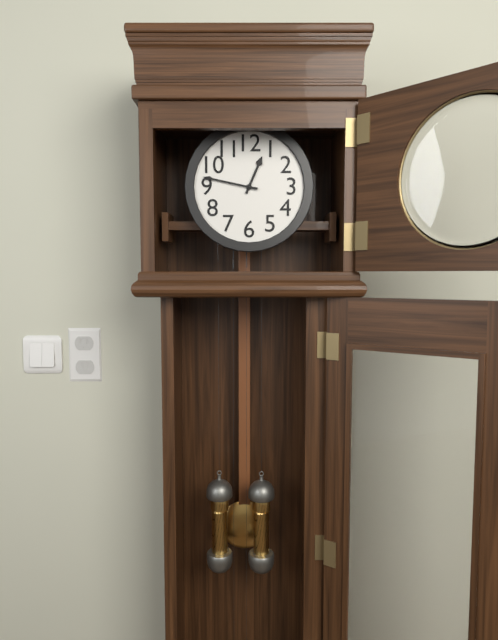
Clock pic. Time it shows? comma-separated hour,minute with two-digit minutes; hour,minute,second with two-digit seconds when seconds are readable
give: 12,47
